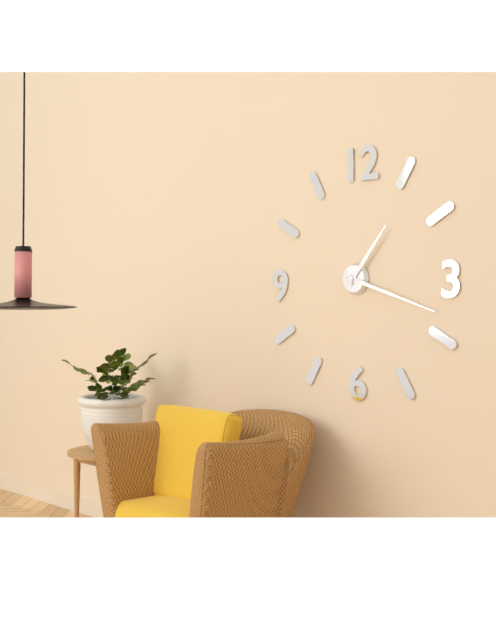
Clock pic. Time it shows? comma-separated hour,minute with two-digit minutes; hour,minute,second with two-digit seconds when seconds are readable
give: 1,18
